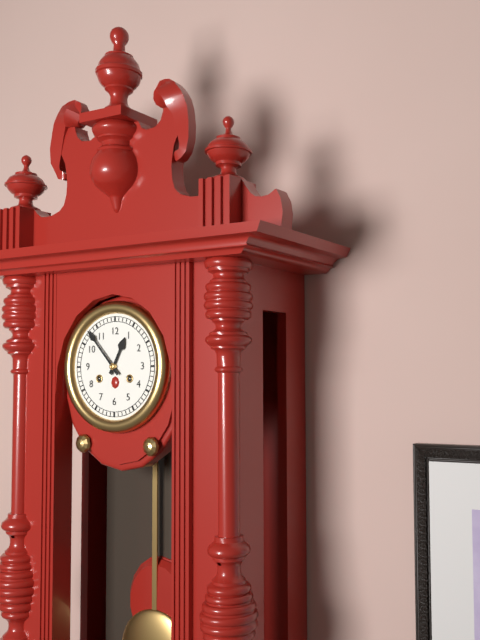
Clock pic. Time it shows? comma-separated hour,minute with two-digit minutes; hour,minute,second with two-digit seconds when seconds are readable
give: 12,53
